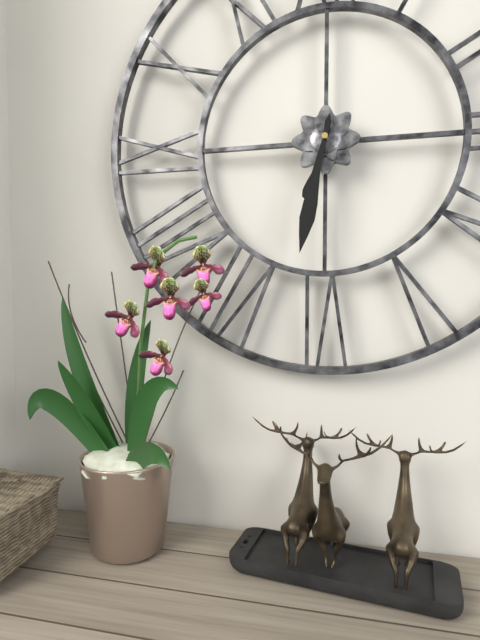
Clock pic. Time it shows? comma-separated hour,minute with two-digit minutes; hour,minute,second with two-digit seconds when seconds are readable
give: 6,32
